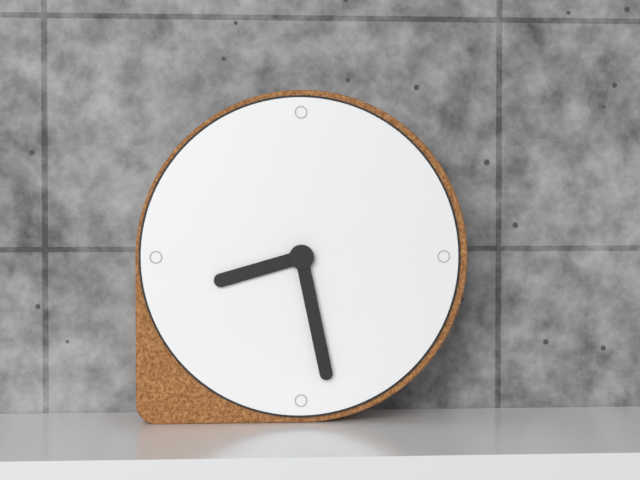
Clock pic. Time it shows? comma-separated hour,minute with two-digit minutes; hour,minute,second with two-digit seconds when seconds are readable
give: 8,28
